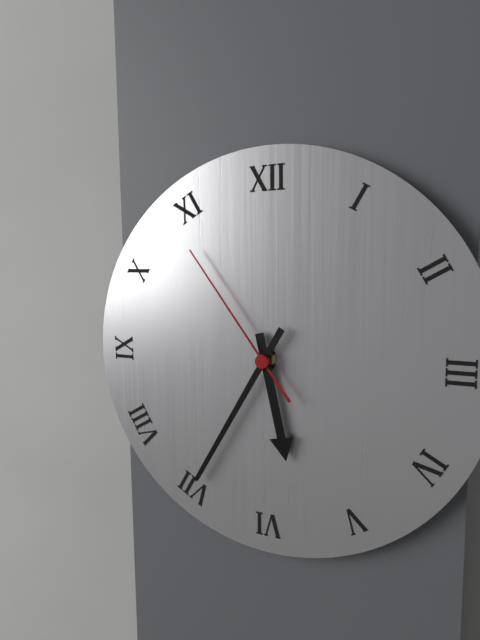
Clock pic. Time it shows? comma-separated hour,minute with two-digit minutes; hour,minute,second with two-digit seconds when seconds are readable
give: 5,35,54
